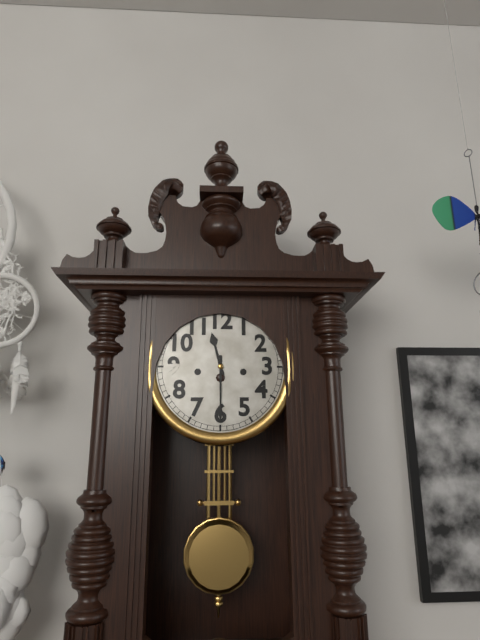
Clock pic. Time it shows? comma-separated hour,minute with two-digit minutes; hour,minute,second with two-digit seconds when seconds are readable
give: 11,30
